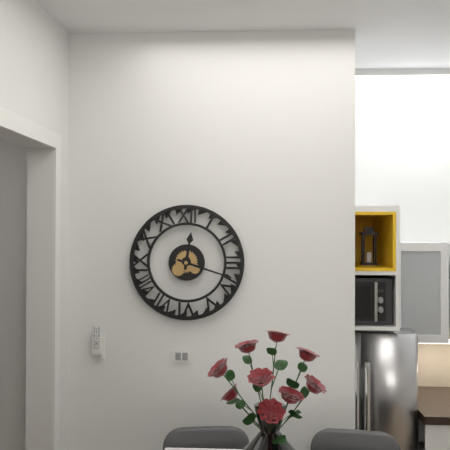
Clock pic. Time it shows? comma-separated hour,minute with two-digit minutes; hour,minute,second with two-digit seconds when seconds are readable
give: 12,18
